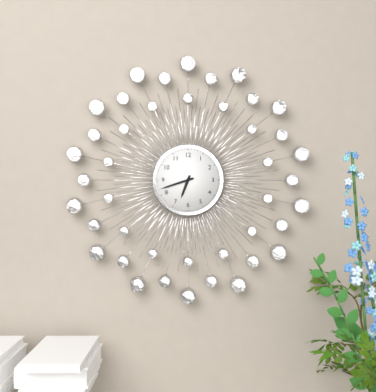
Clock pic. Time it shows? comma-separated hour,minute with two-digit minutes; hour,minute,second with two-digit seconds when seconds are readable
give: 6,42
